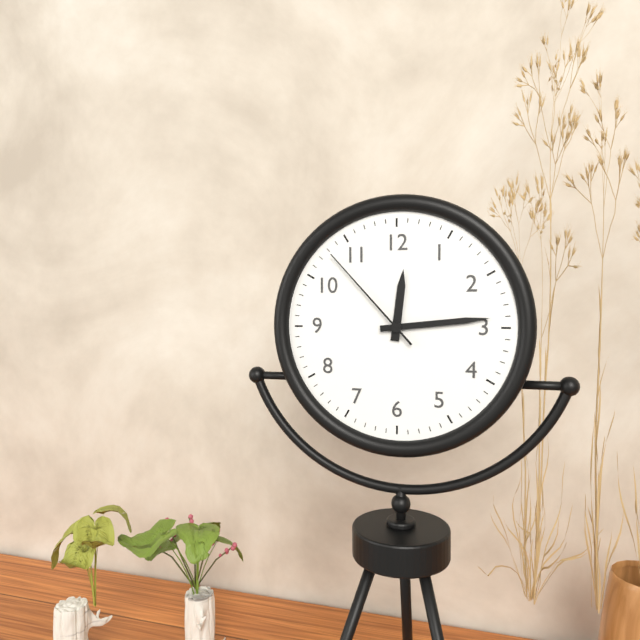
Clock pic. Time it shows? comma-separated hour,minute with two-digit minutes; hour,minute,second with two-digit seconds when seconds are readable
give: 12,14,53
